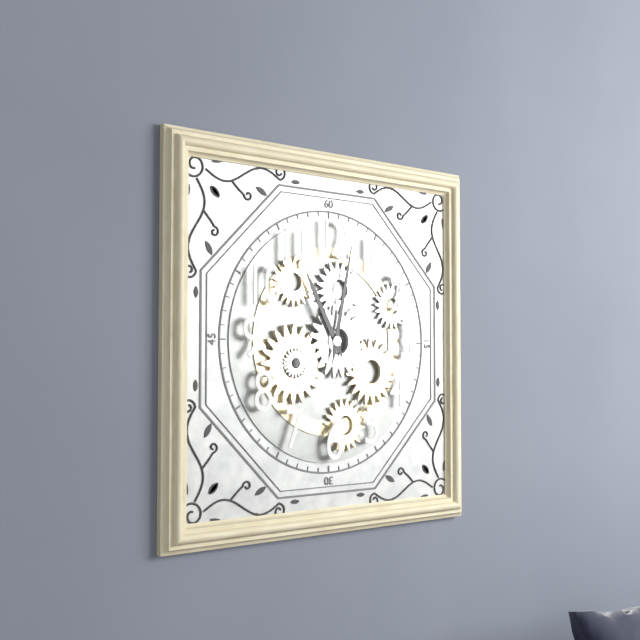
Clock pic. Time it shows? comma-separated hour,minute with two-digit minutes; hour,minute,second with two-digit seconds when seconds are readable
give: 11,02
